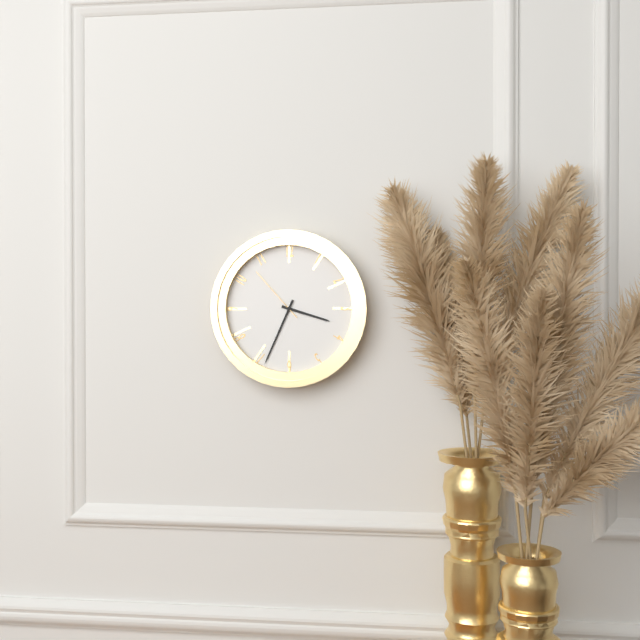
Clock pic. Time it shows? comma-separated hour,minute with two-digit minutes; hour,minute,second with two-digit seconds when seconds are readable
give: 3,34,53
